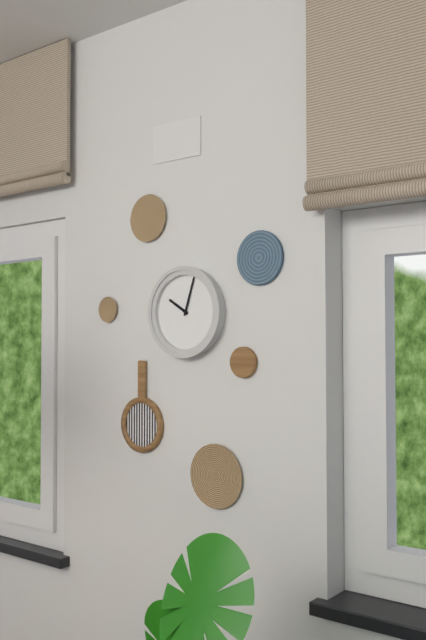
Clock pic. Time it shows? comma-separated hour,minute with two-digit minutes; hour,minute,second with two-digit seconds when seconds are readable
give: 10,03
